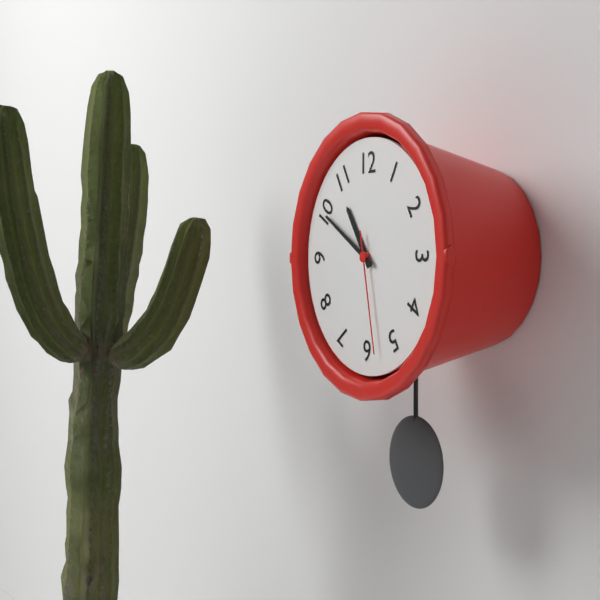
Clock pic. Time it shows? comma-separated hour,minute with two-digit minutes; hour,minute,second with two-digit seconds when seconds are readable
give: 10,50,28
